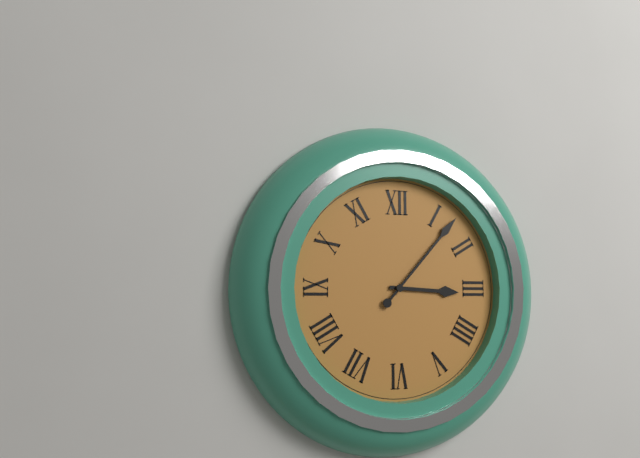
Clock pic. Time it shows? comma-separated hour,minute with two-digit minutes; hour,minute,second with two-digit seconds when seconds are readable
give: 3,07
